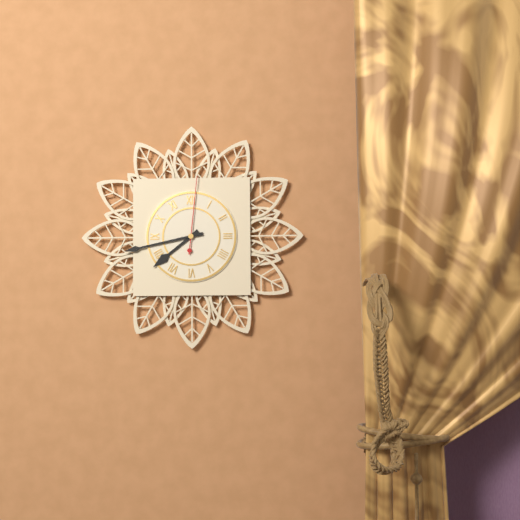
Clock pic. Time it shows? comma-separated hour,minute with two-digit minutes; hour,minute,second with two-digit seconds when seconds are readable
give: 7,43,01
